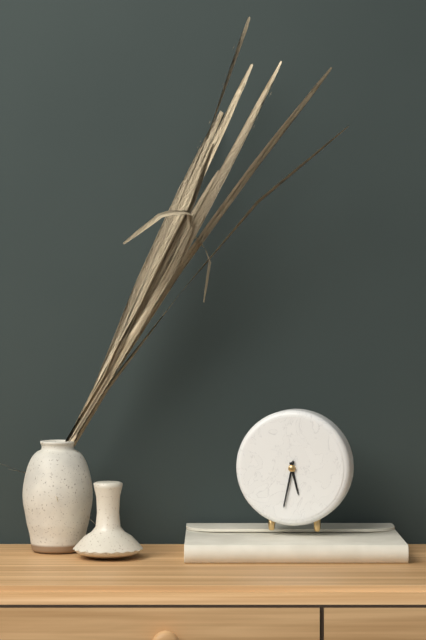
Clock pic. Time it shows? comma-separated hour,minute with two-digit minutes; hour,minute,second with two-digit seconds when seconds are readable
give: 5,32
